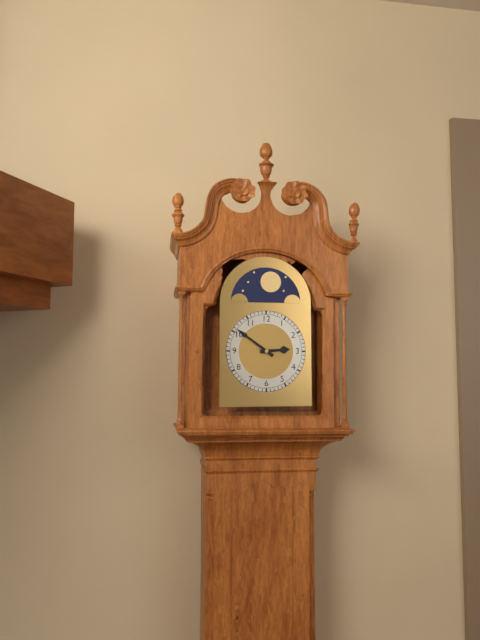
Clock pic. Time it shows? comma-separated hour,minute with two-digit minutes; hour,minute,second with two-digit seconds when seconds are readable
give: 2,51
